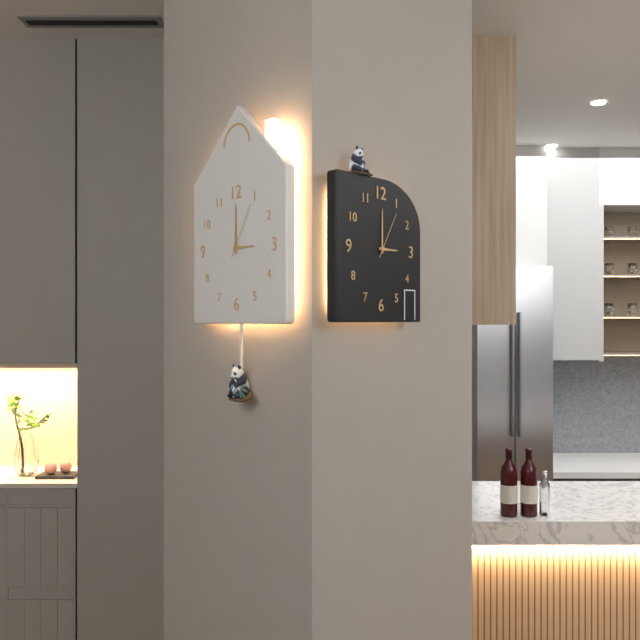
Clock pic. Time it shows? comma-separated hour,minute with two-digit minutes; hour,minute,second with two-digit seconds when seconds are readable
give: 3,00,05
